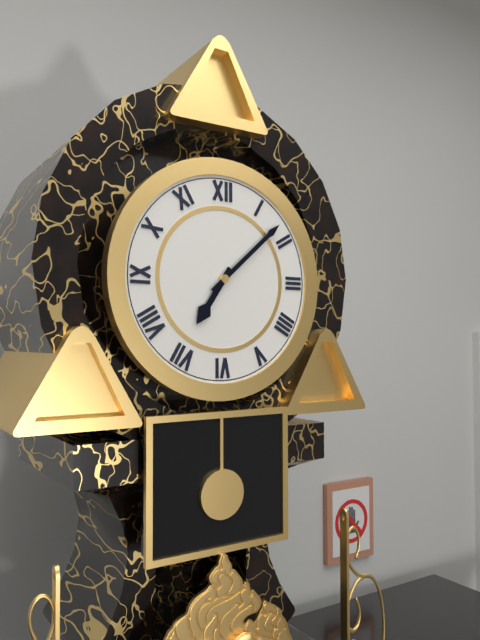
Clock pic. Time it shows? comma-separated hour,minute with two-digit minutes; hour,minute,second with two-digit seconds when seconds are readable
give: 7,08
